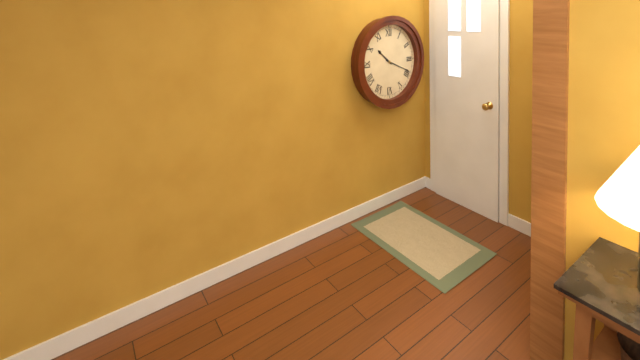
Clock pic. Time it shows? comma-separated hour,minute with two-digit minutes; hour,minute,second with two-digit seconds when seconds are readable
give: 10,19
